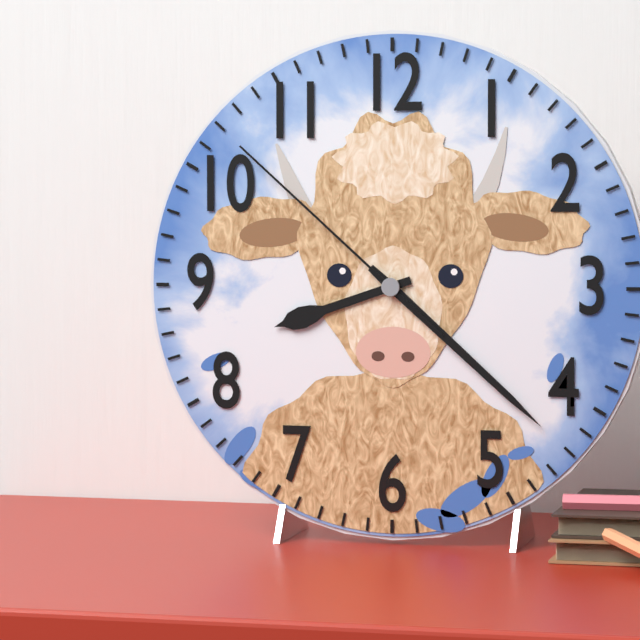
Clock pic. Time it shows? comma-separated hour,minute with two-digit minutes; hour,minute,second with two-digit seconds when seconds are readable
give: 8,22,52
